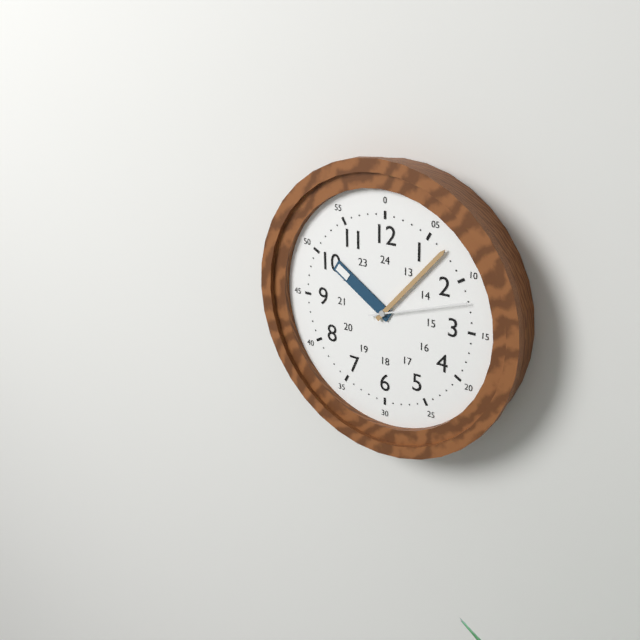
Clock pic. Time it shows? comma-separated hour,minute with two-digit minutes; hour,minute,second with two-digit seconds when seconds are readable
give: 10,07,12
